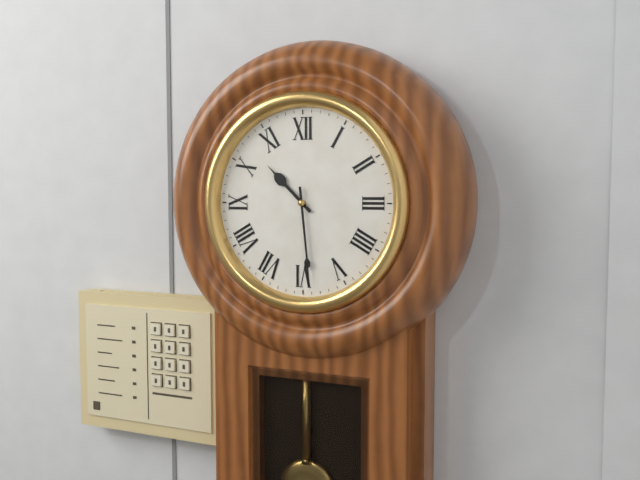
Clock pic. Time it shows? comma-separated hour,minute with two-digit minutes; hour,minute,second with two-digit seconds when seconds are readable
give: 10,29
